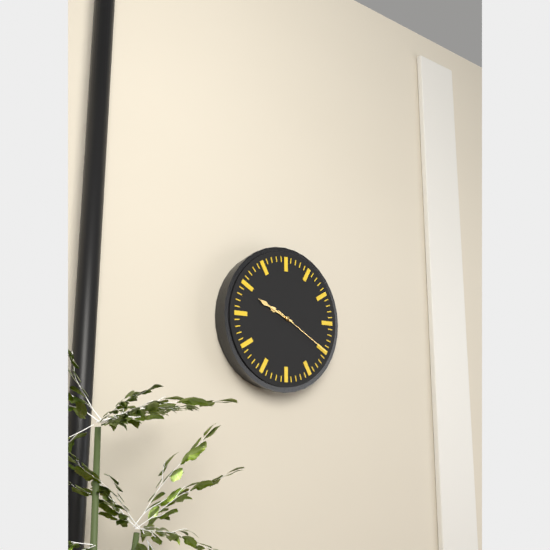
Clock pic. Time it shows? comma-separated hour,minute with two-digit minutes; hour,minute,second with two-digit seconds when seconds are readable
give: 9,49,20
